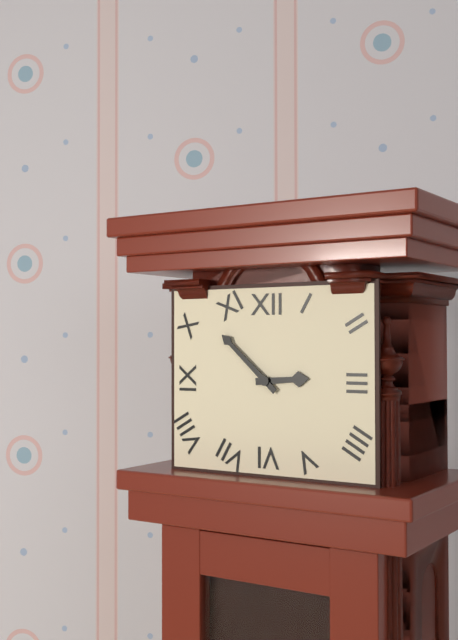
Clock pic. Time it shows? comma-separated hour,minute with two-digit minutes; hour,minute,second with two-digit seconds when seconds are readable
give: 2,52
